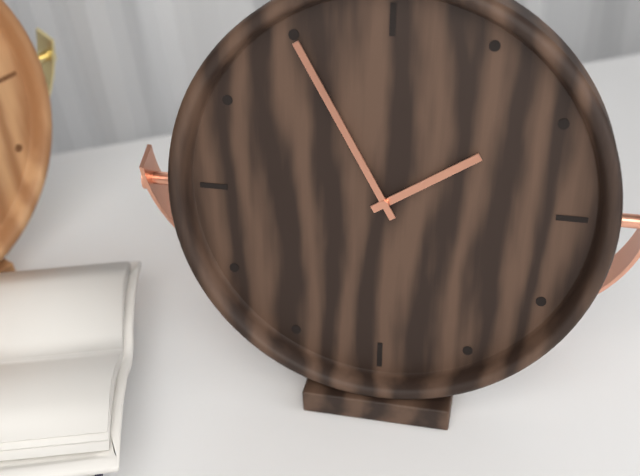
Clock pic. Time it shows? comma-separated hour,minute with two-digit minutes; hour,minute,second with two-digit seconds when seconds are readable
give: 1,55
